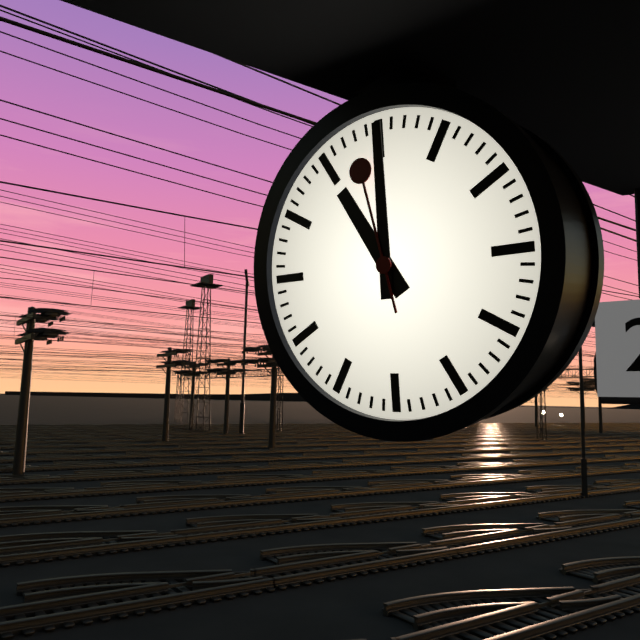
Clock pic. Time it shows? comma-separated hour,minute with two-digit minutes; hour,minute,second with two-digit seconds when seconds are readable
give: 11,00,58
